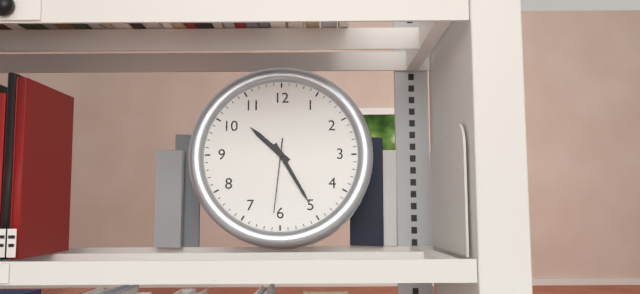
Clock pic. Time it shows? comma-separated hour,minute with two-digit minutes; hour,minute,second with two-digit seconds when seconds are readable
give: 10,25,31
